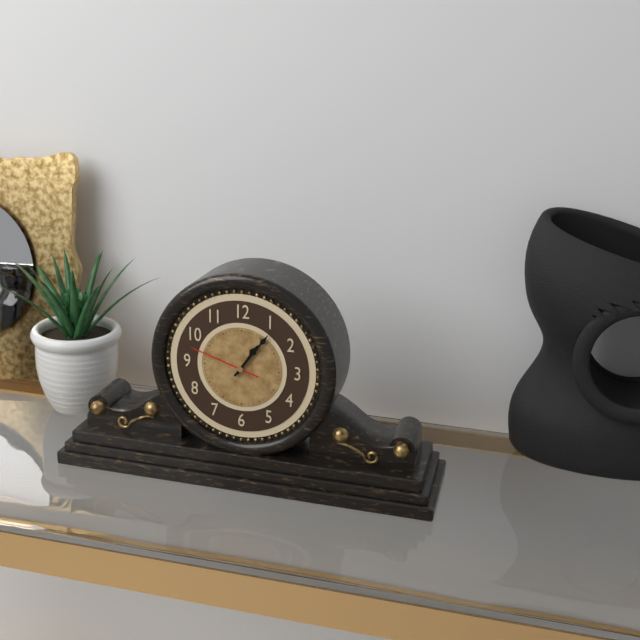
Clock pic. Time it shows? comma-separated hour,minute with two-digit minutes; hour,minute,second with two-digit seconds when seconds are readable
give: 1,06,48
